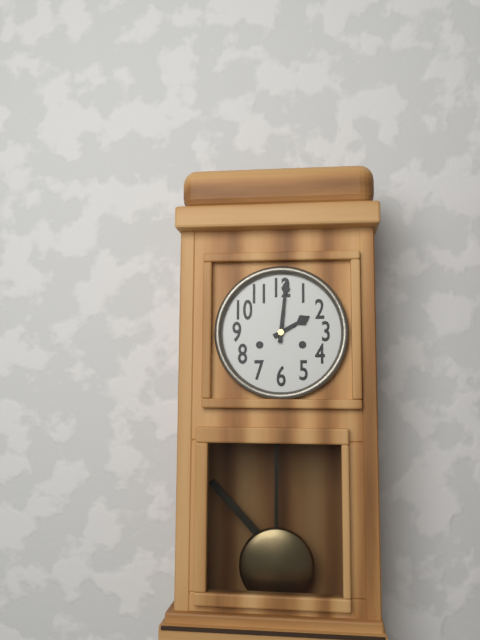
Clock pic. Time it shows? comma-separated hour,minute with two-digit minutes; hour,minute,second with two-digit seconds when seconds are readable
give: 2,01
